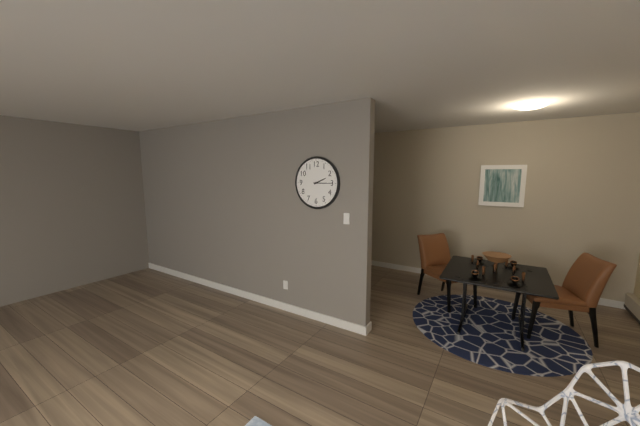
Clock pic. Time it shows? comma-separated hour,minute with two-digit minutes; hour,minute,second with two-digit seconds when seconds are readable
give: 2,15
